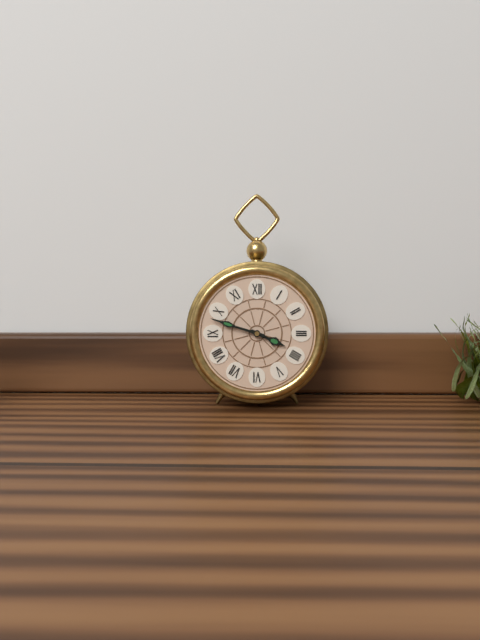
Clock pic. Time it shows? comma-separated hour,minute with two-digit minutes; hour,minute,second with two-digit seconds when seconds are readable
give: 3,48
